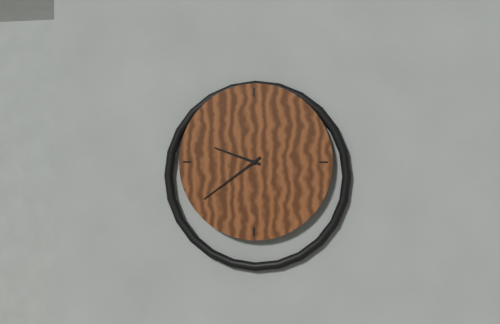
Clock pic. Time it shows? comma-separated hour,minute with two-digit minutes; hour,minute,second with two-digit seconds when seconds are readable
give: 9,39
